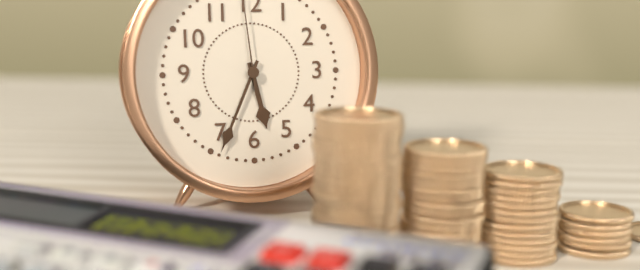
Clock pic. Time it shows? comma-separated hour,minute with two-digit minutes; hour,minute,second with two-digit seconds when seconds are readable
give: 5,34
